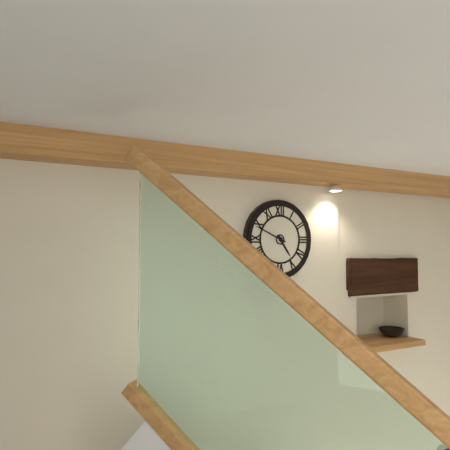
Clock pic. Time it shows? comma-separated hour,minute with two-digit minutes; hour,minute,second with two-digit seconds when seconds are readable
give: 4,49
